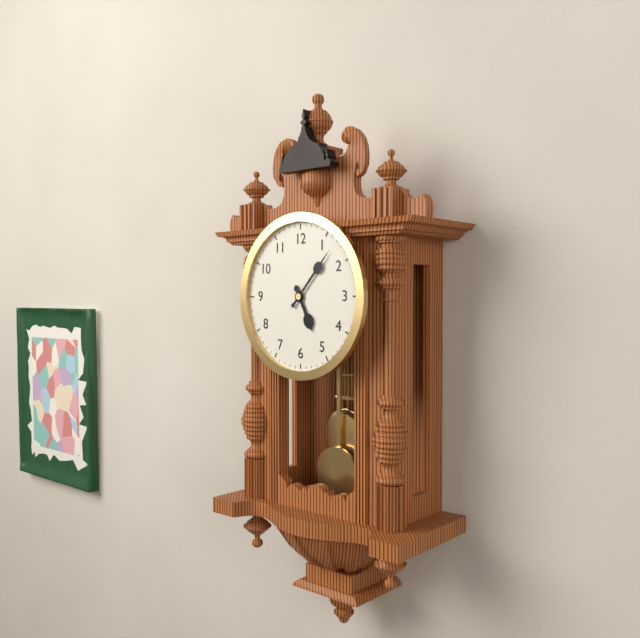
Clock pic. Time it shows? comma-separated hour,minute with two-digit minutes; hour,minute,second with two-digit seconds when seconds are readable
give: 5,07
